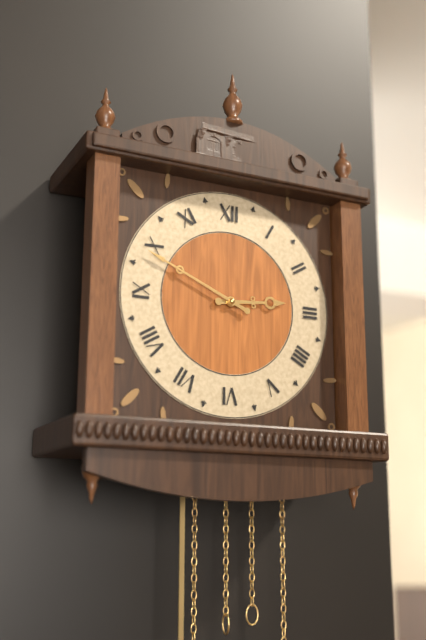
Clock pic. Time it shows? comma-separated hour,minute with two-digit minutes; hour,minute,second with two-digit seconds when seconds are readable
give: 2,49
